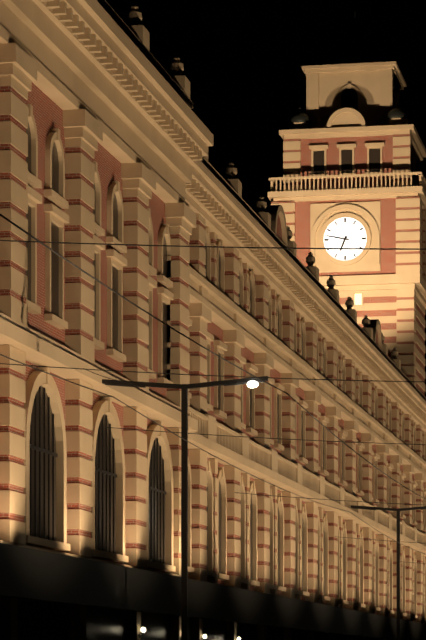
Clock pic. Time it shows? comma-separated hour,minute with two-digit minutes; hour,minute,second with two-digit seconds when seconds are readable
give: 6,47
